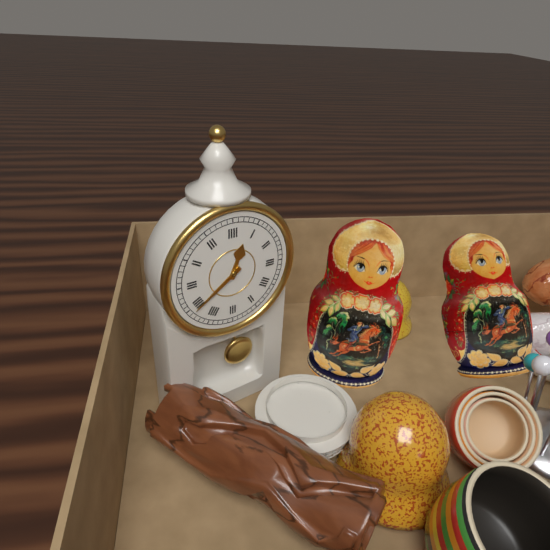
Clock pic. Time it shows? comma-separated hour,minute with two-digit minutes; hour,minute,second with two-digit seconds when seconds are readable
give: 12,39
